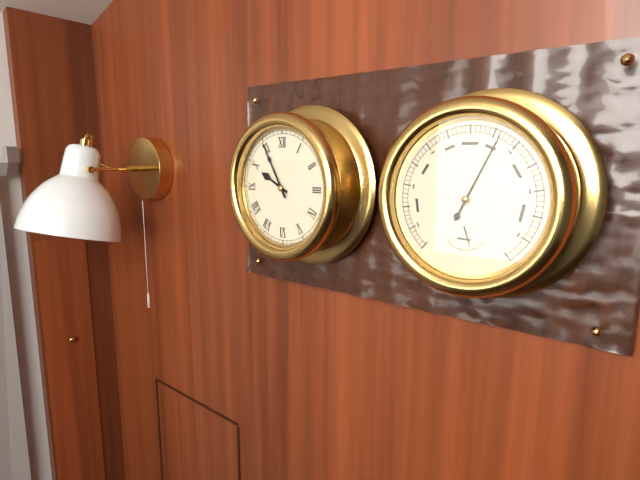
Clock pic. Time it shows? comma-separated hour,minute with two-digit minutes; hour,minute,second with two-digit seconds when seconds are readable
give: 9,55
